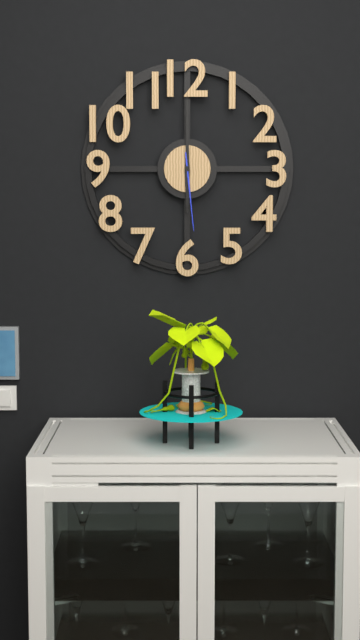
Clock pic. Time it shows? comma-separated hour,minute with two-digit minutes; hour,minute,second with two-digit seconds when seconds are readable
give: 6,00,29
